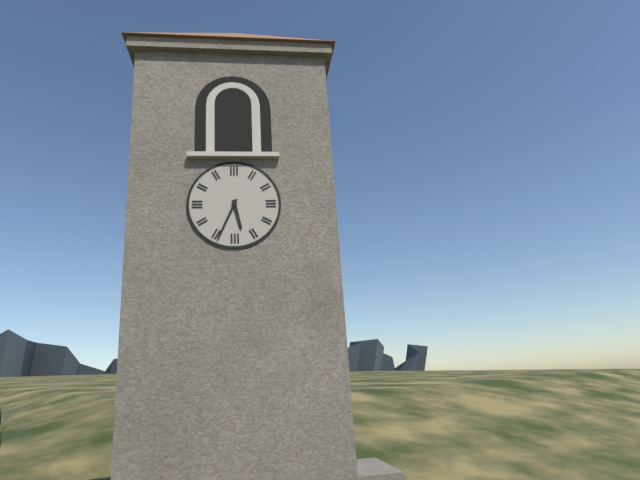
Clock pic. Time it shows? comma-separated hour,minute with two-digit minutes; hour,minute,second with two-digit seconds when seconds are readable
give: 5,34
